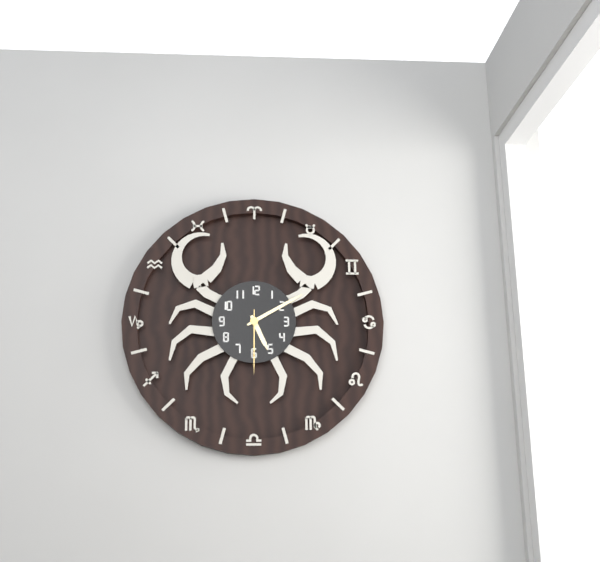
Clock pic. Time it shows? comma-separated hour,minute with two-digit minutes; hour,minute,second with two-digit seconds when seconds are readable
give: 5,10,30
